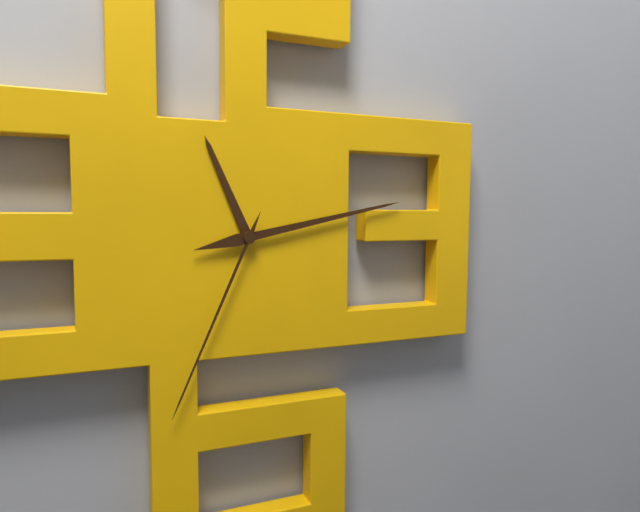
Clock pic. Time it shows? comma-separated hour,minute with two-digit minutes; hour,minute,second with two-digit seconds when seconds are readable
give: 11,13,34
